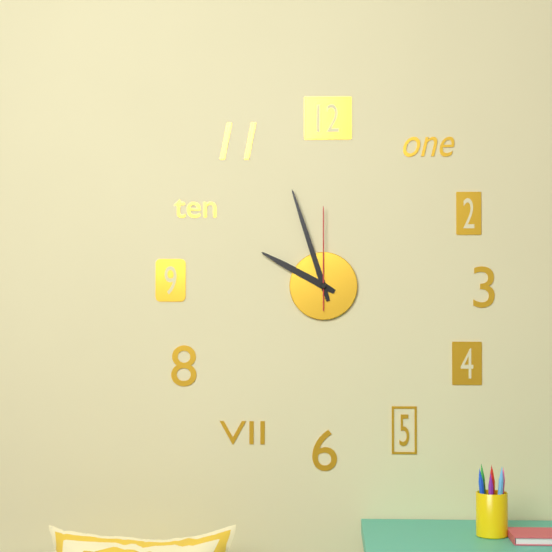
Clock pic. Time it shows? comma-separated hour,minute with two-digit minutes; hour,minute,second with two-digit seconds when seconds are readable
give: 9,57,00
